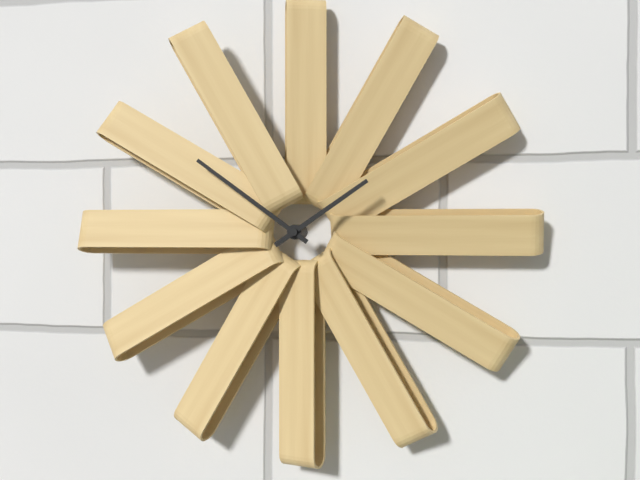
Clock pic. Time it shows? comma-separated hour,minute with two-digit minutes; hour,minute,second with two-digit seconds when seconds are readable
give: 1,51
